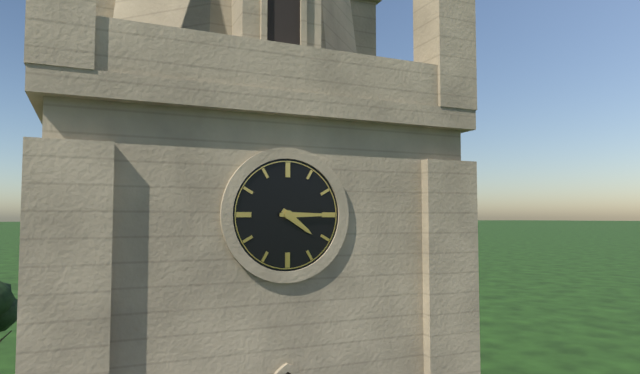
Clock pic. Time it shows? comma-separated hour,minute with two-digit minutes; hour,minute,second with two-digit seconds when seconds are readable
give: 4,15
